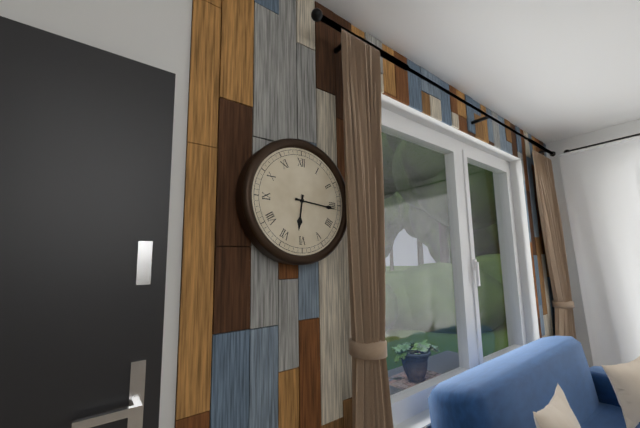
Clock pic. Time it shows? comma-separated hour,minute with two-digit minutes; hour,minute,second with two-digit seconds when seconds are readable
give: 6,16
